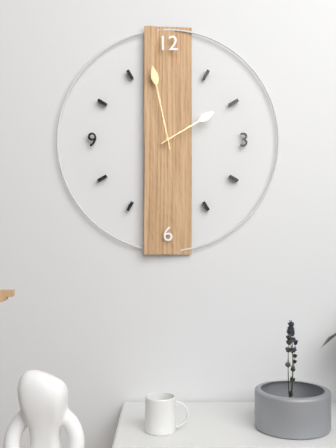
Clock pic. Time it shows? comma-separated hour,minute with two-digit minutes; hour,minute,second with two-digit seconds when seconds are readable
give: 1,58
